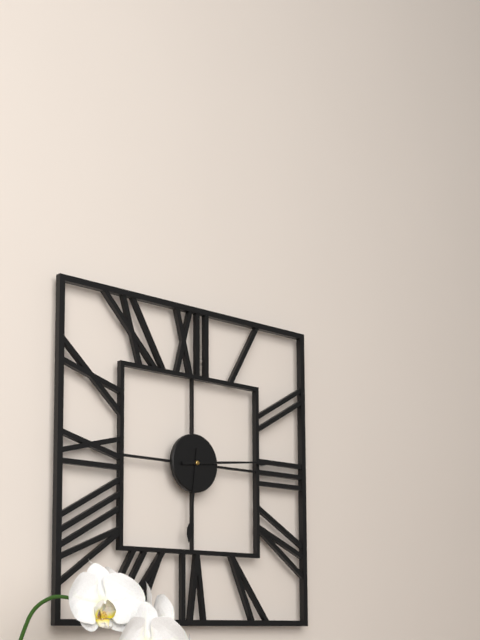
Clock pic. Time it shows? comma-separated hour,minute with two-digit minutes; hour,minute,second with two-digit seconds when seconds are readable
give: 6,14
